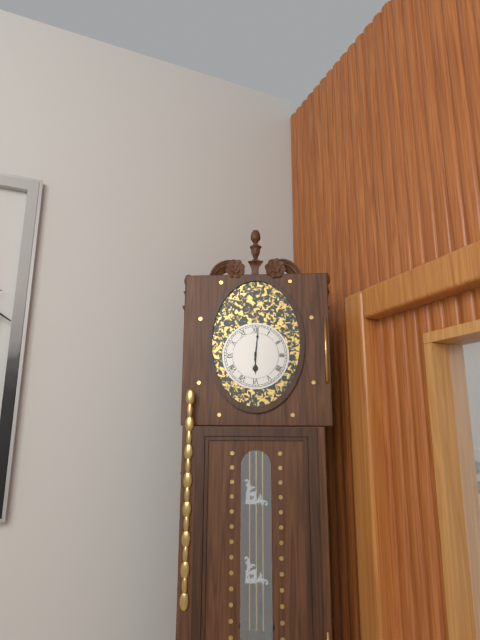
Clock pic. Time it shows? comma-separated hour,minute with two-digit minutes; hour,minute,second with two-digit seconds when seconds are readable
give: 6,01
